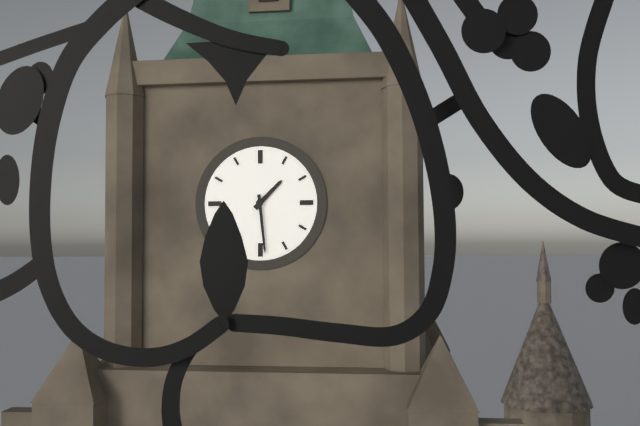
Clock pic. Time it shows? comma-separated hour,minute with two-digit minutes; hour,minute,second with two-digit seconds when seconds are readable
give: 1,29
